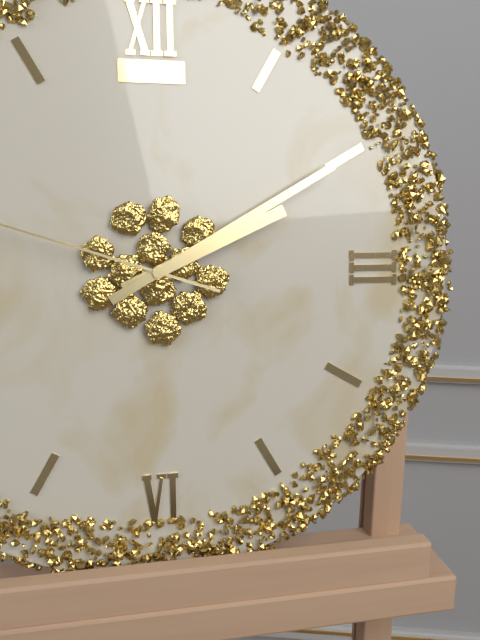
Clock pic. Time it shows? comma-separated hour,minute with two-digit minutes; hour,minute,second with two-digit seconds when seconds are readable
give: 2,10
